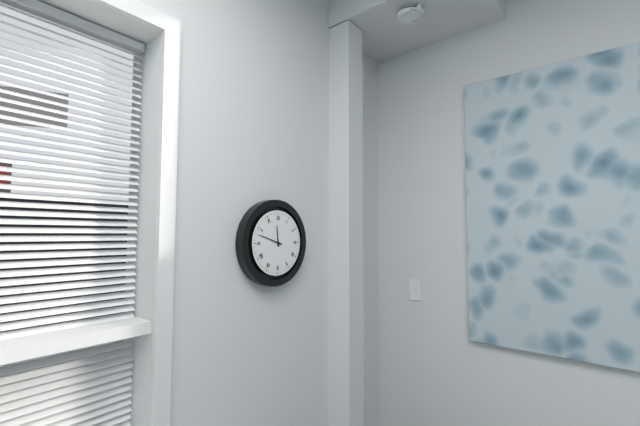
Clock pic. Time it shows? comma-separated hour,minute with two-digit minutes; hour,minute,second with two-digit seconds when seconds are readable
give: 11,48
